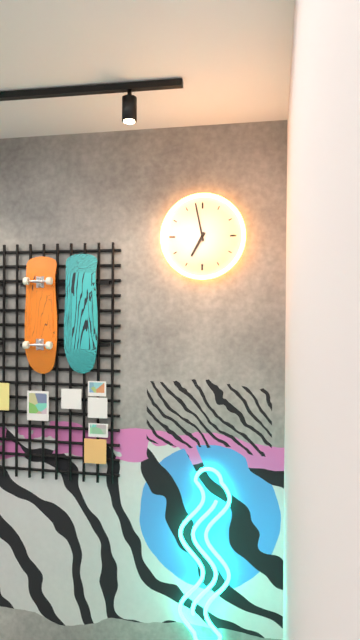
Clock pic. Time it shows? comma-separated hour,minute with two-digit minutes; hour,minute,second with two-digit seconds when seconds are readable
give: 6,58
